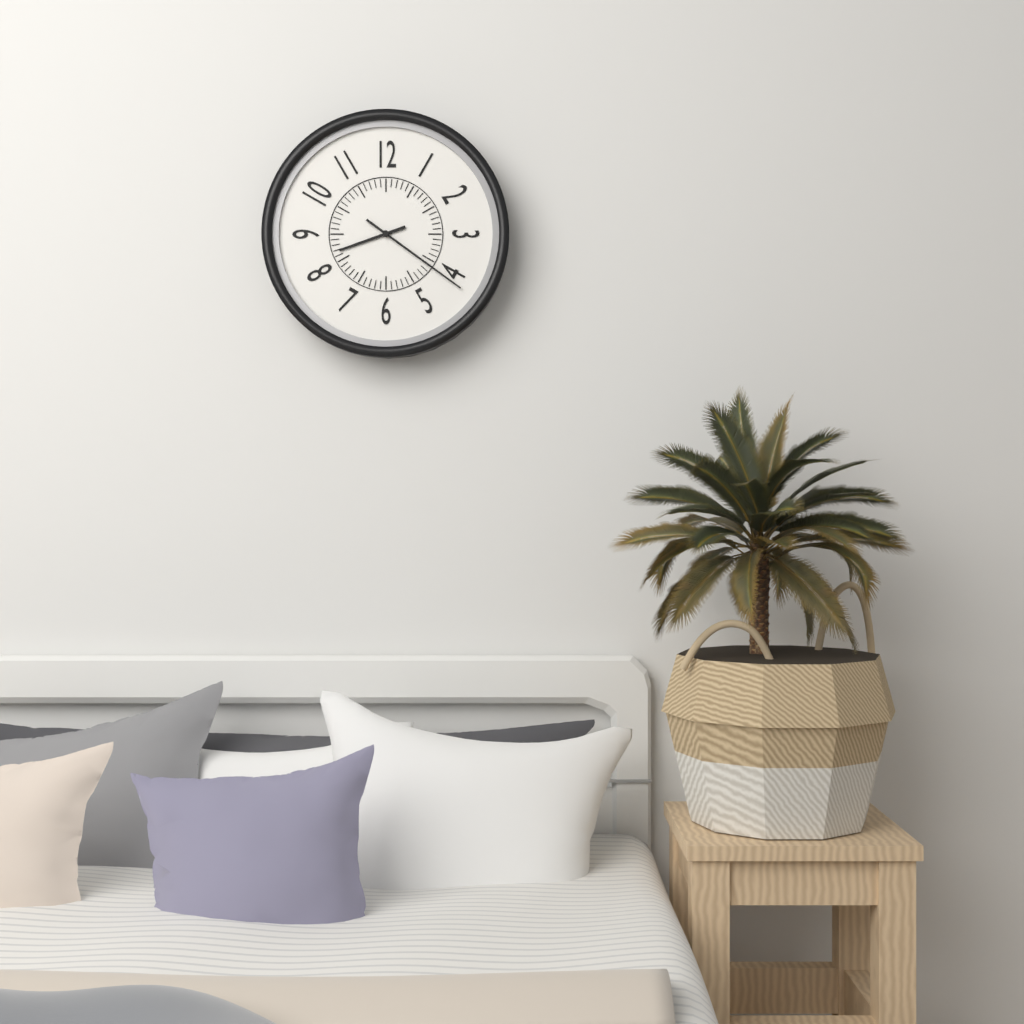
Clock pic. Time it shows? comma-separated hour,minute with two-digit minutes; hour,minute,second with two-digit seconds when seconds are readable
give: 8,21
